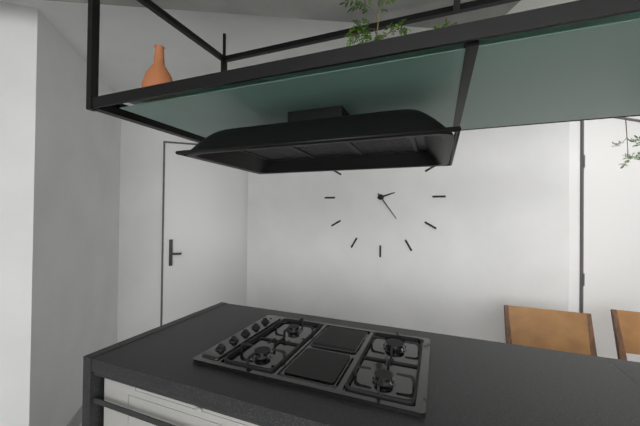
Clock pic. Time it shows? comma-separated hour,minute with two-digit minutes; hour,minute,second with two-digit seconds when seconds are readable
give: 2,24
